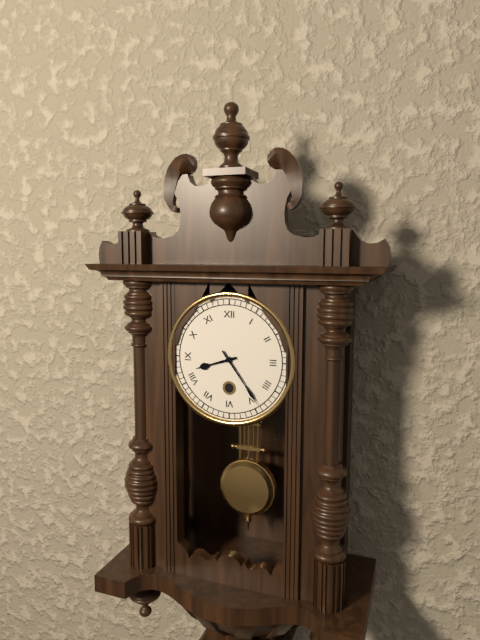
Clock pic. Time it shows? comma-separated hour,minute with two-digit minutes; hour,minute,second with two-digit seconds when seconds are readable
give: 8,24
